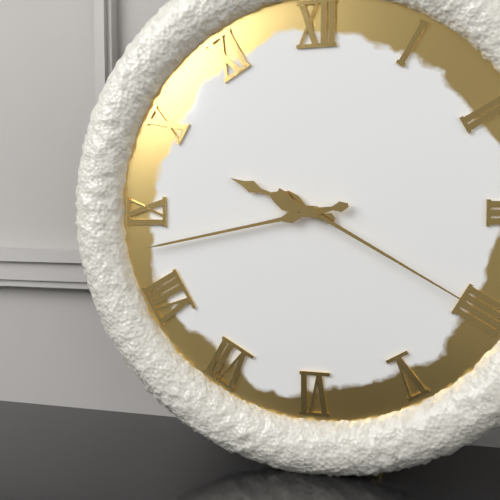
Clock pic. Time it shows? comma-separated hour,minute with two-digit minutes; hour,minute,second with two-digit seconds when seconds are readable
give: 9,43,20
